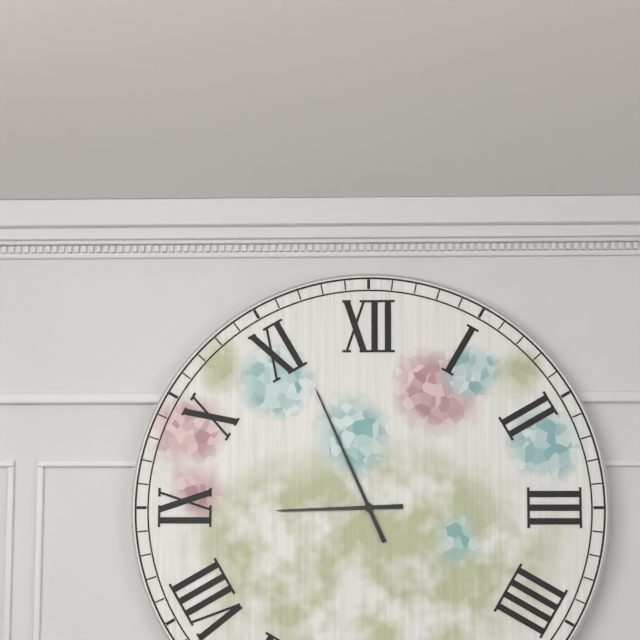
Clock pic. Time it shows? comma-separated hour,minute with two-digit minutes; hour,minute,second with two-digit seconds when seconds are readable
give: 8,56
